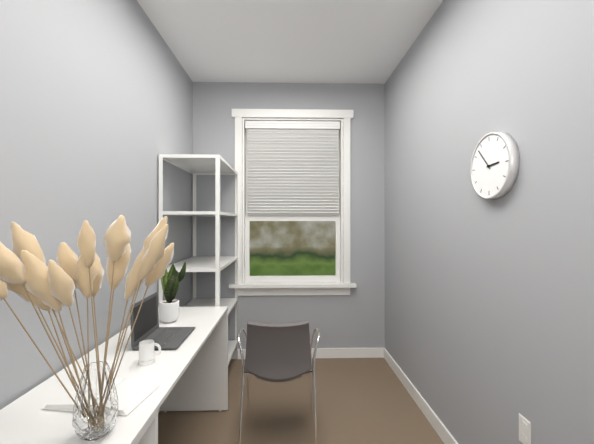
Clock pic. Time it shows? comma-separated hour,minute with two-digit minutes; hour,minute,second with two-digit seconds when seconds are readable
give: 2,53
